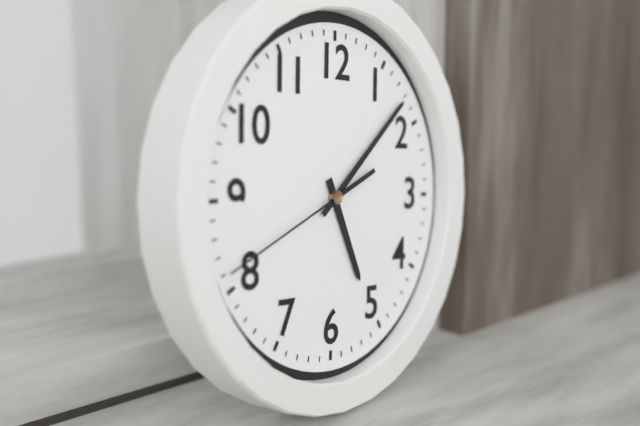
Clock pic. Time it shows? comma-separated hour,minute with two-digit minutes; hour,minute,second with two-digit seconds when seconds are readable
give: 5,08,41
